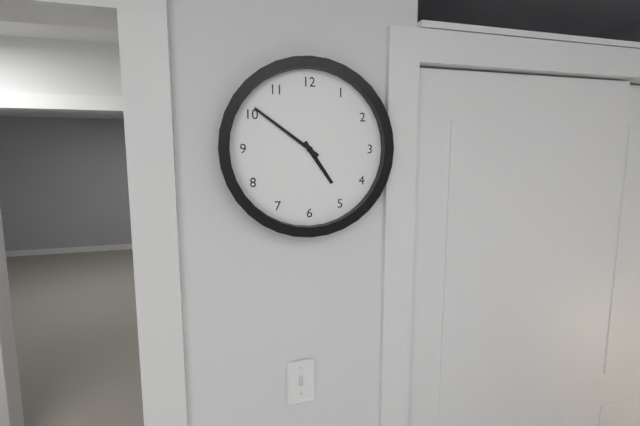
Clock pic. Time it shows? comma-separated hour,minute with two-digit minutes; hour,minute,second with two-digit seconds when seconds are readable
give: 4,51
